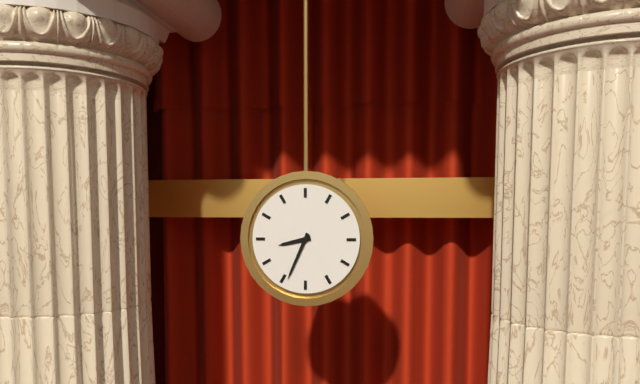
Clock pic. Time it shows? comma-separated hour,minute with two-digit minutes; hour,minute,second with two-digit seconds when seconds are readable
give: 8,34
